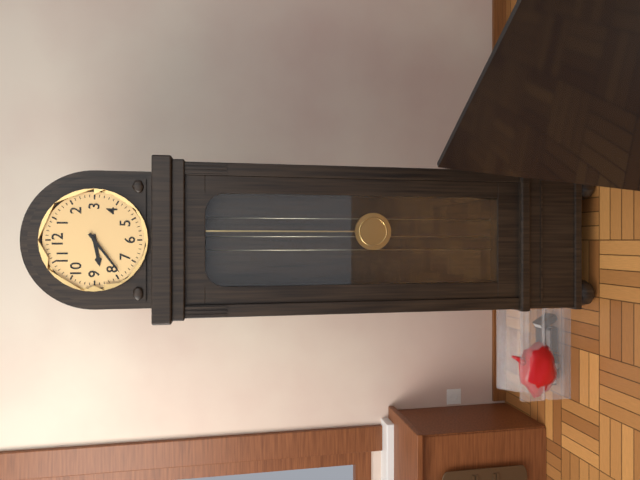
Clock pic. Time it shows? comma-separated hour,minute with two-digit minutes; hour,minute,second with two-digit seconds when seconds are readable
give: 8,39
